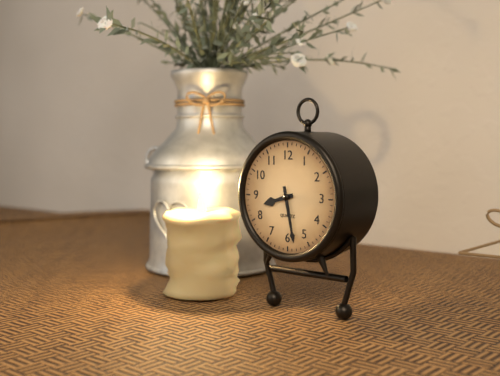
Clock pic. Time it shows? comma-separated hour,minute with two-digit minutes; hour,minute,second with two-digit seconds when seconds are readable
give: 8,28
